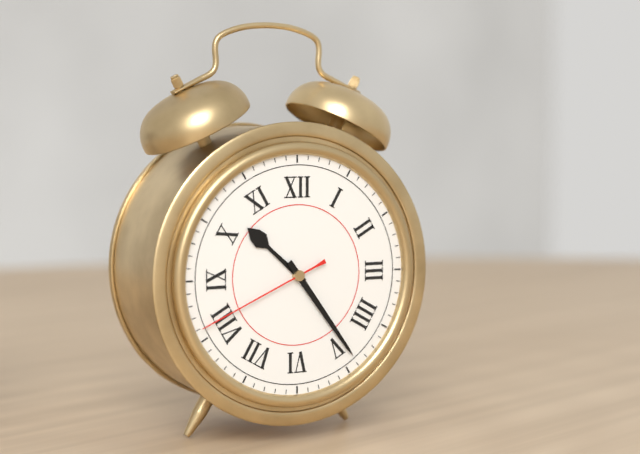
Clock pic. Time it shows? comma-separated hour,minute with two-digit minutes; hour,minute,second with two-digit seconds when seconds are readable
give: 10,24,41
